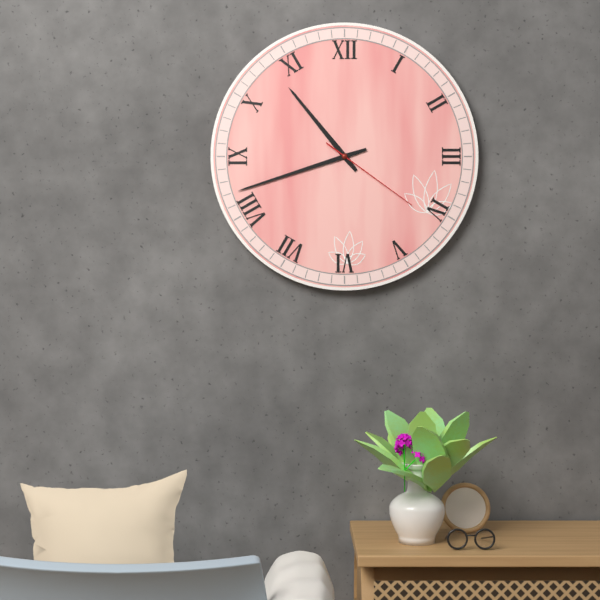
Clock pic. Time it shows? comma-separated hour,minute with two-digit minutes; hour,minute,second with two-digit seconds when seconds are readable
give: 10,42,21
